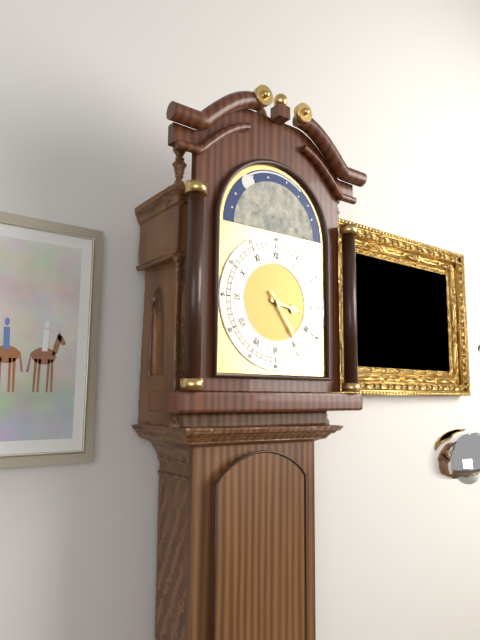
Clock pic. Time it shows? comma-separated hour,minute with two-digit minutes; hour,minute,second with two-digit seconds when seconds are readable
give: 3,24
